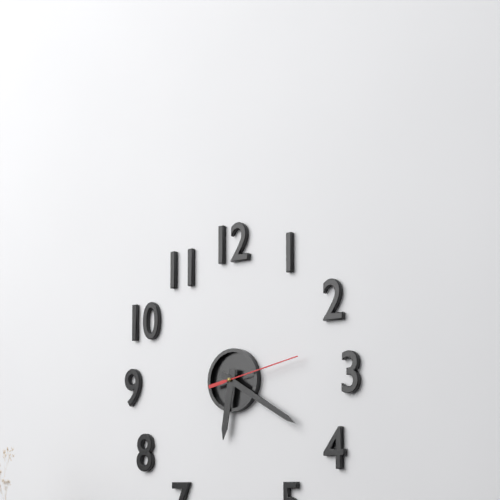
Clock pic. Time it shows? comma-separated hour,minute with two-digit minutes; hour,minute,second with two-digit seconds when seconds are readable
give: 6,20,13
